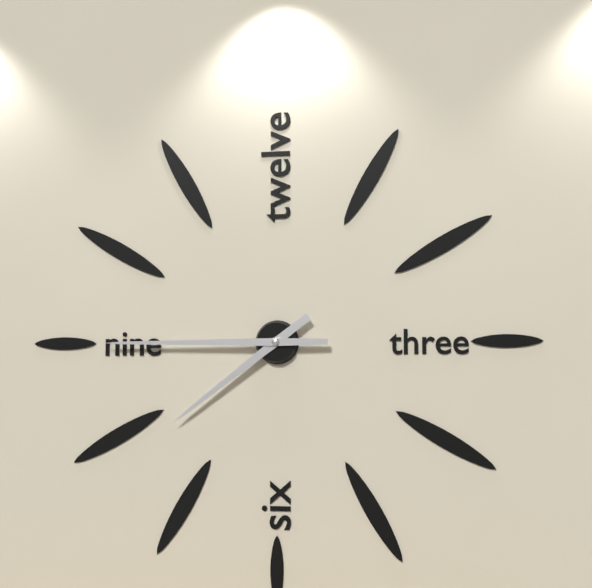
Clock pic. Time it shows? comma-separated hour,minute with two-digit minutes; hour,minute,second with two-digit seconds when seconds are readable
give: 7,45
